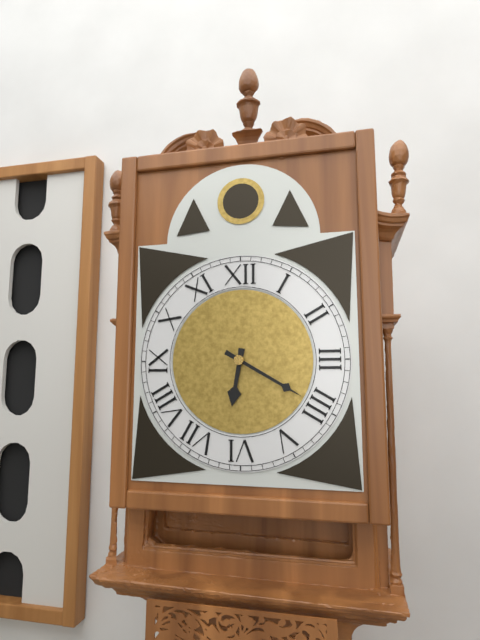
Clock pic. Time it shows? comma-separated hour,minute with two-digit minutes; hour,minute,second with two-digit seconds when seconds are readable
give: 6,20
